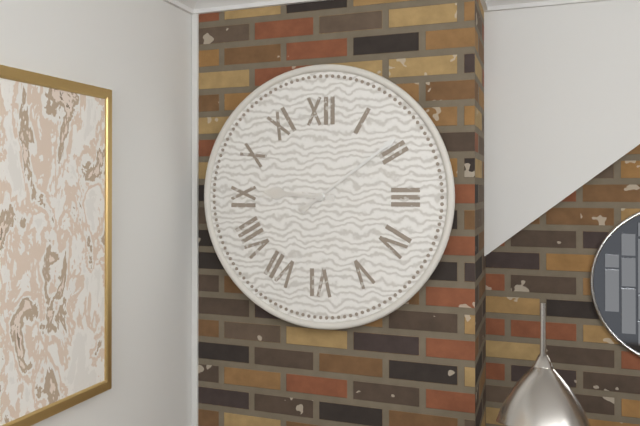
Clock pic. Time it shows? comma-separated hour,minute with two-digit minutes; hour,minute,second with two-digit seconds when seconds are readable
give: 9,09
